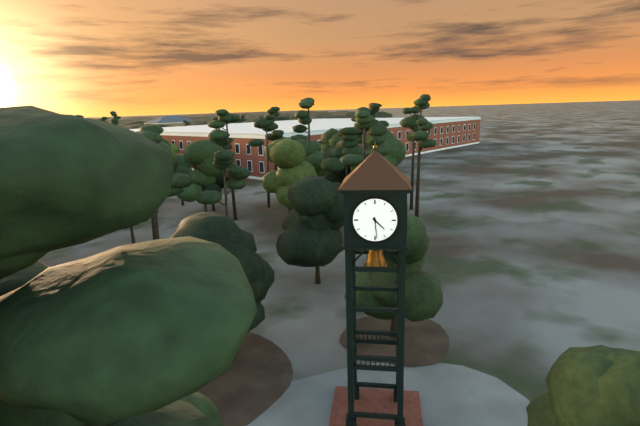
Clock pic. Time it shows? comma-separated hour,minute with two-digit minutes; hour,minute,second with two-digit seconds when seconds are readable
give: 4,29
